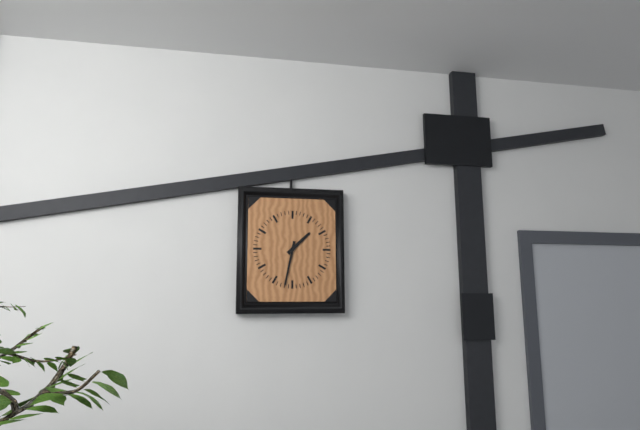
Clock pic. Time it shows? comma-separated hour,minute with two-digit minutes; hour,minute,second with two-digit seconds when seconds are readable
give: 1,32
